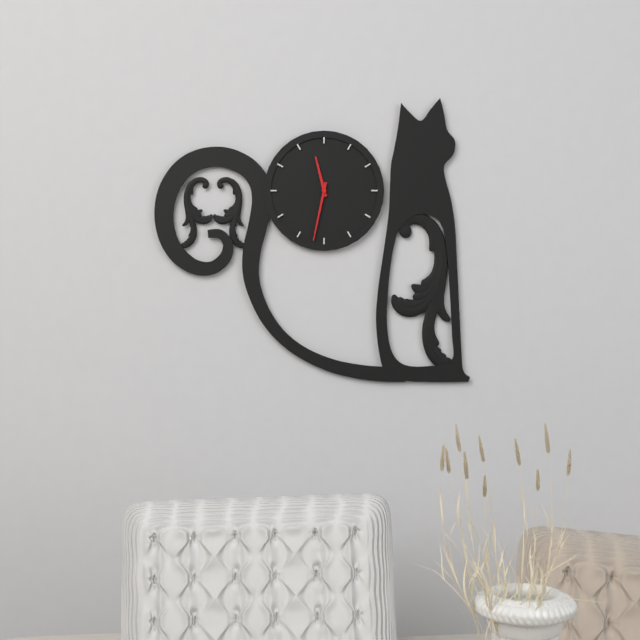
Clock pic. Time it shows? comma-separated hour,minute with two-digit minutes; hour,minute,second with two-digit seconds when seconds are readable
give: 11,32
